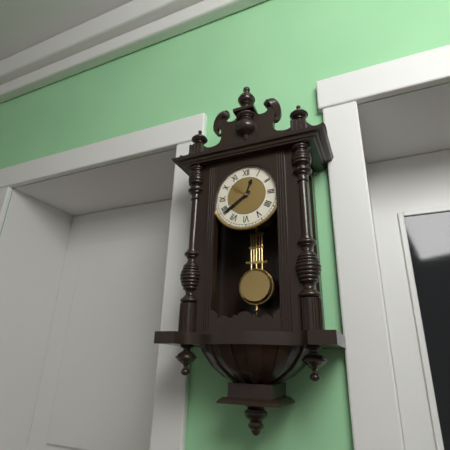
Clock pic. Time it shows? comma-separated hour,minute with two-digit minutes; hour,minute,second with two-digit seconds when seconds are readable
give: 12,39
